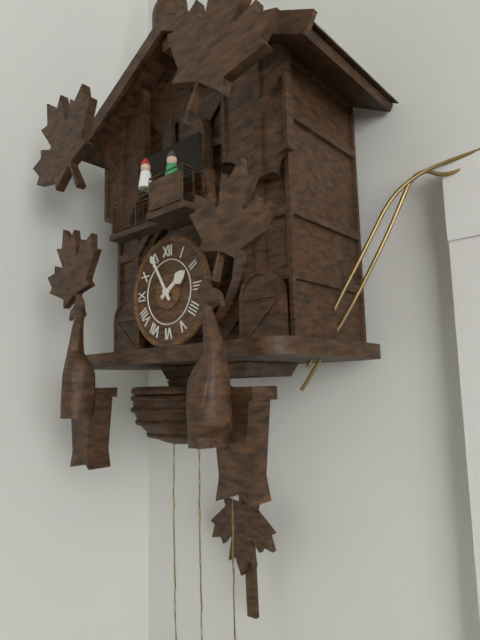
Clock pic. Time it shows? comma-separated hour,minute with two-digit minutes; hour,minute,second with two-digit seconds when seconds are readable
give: 1,55
